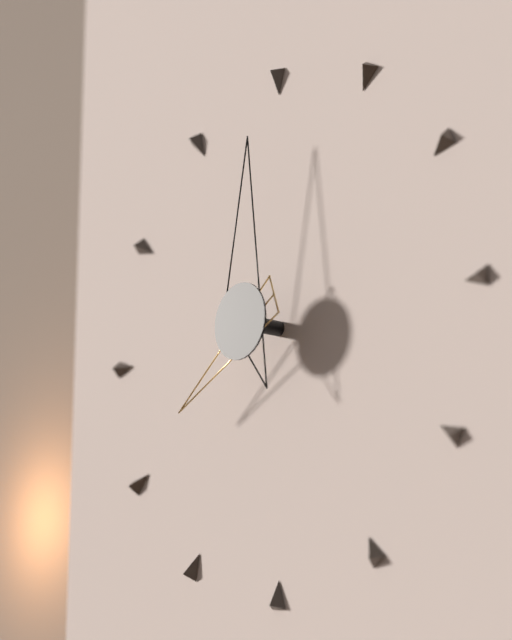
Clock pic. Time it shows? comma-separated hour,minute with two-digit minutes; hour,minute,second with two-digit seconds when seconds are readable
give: 8,00
